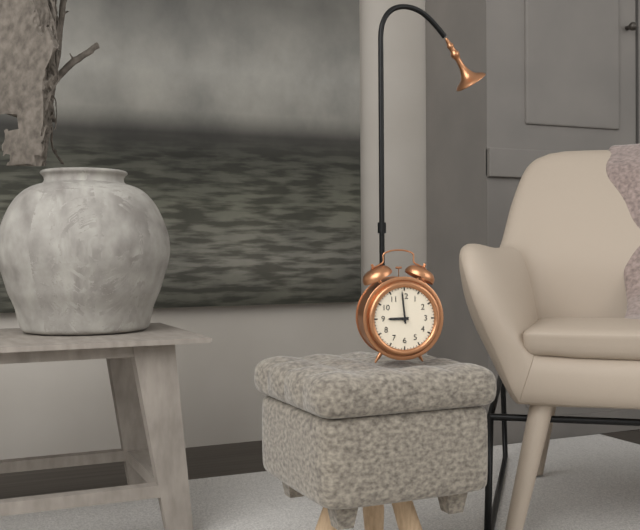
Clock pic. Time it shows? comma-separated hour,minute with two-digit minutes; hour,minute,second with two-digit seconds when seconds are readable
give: 8,59
